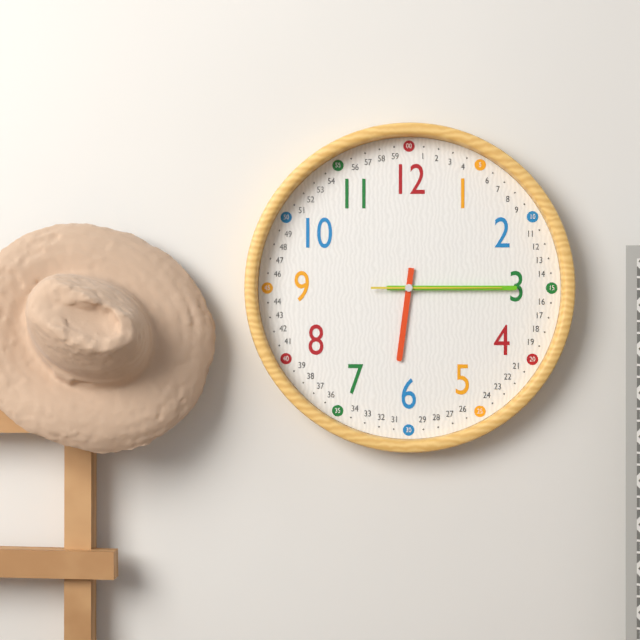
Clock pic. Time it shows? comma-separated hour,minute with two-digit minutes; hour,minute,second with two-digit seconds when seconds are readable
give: 6,15,15
